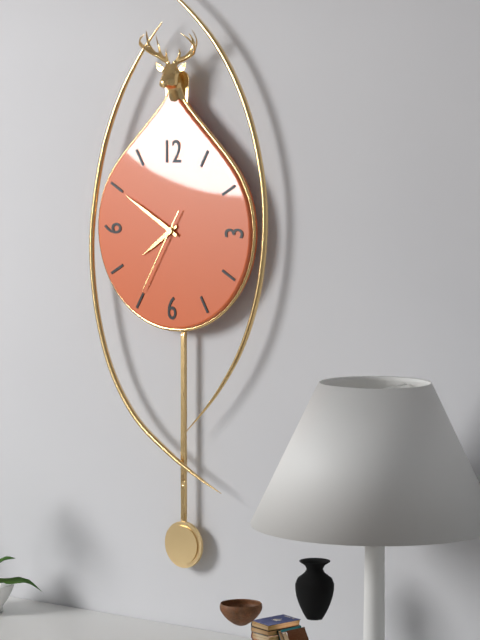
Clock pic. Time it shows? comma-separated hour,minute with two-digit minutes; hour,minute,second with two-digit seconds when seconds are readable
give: 7,50,35
